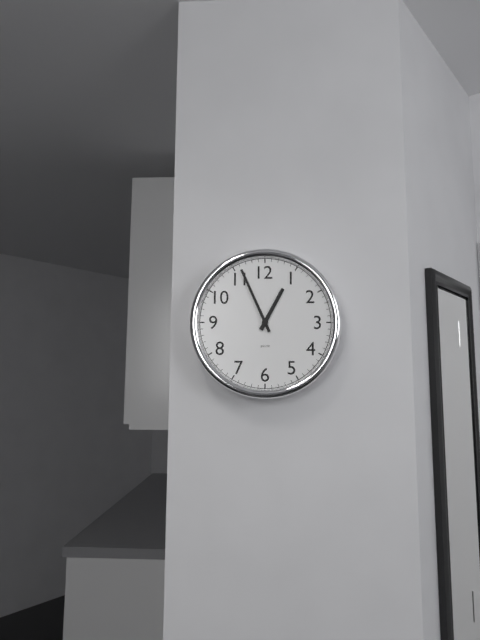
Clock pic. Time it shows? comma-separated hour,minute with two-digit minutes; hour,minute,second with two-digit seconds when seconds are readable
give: 12,56
